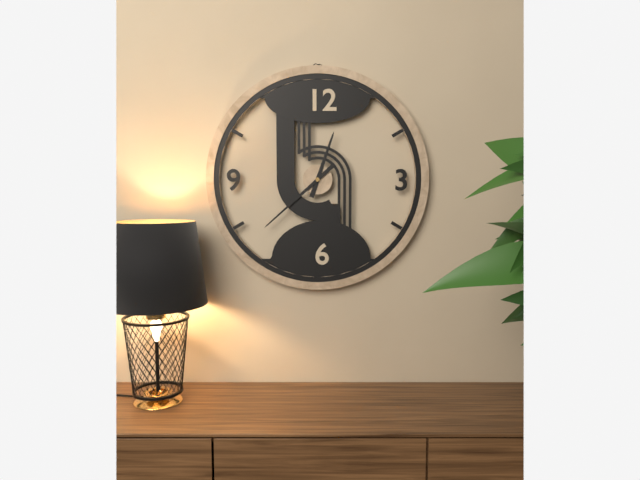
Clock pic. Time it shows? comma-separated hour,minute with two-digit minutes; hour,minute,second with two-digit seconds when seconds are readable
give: 12,38
